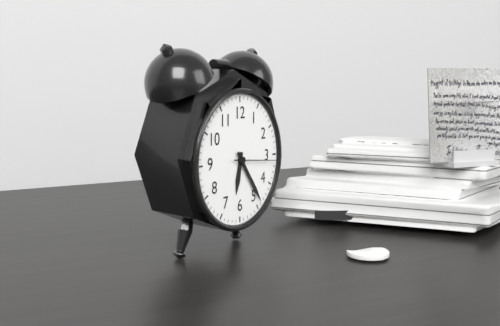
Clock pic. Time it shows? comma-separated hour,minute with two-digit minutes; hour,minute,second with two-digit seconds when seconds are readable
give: 6,24
